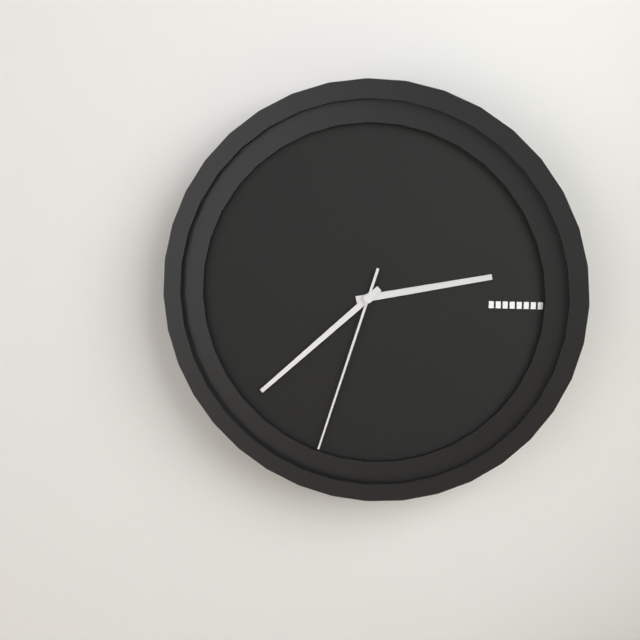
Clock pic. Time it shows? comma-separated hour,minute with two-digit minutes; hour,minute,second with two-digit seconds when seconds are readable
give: 2,38,33
